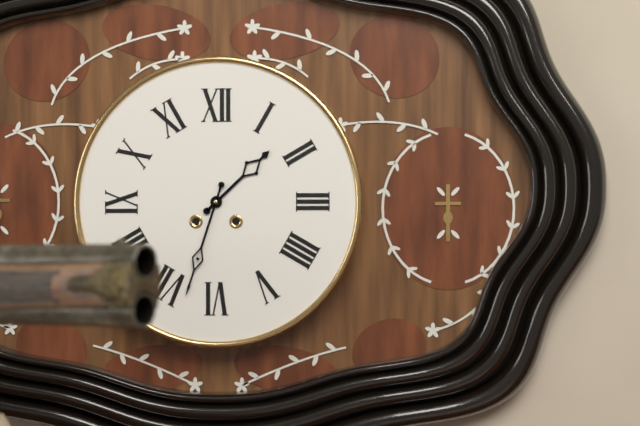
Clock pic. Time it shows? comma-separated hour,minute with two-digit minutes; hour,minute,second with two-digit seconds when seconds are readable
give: 1,33
